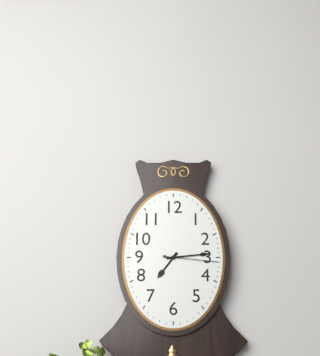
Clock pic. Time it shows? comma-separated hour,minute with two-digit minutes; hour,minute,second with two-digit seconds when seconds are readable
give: 7,14,16
